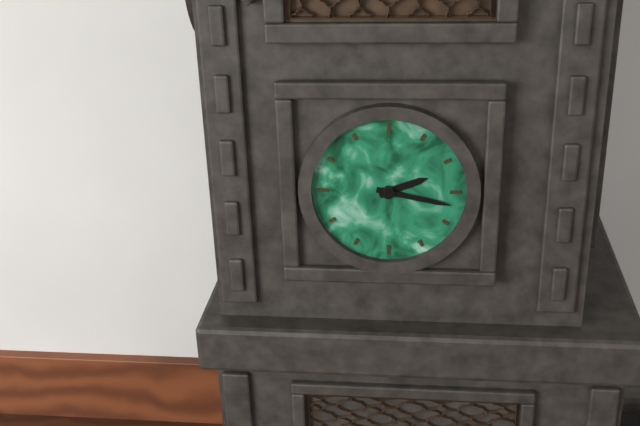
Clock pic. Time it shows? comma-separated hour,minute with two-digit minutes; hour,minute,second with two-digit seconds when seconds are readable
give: 2,17
